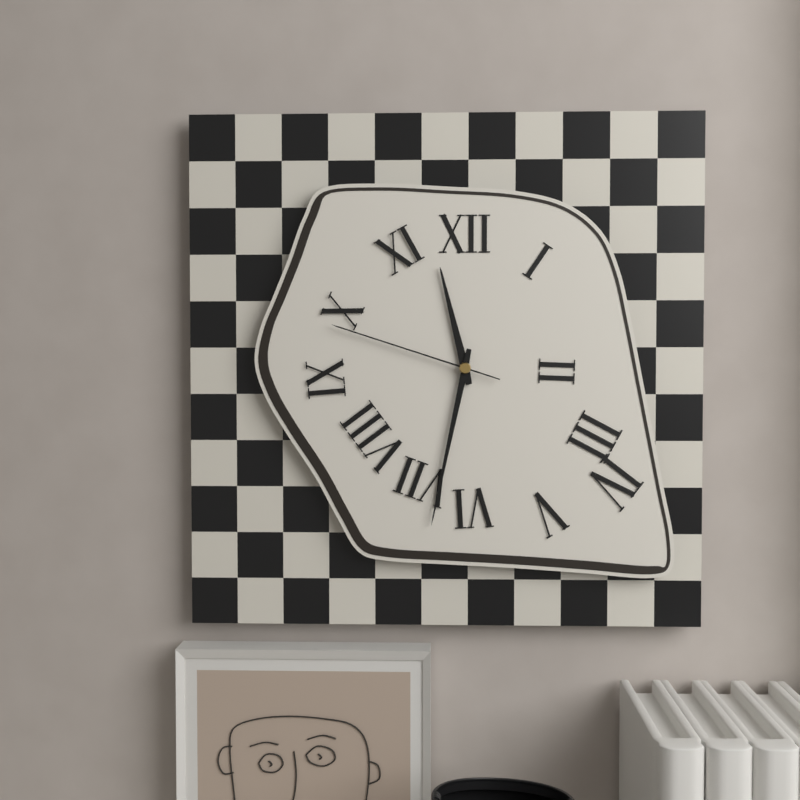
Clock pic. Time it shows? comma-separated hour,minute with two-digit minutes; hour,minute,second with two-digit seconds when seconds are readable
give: 11,32,48
